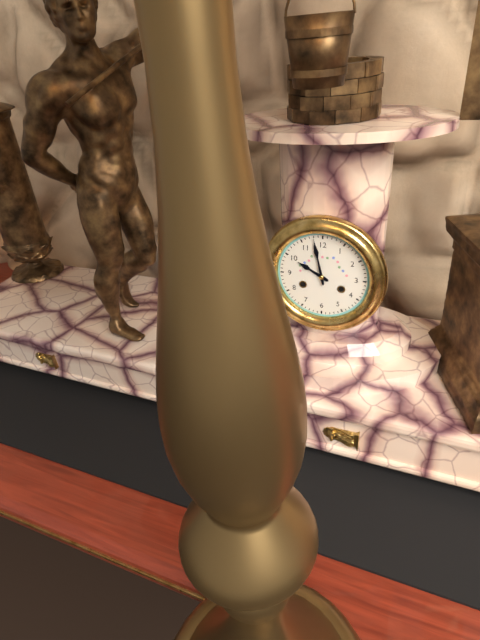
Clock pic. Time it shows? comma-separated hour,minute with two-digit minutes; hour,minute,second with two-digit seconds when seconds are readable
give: 9,58
